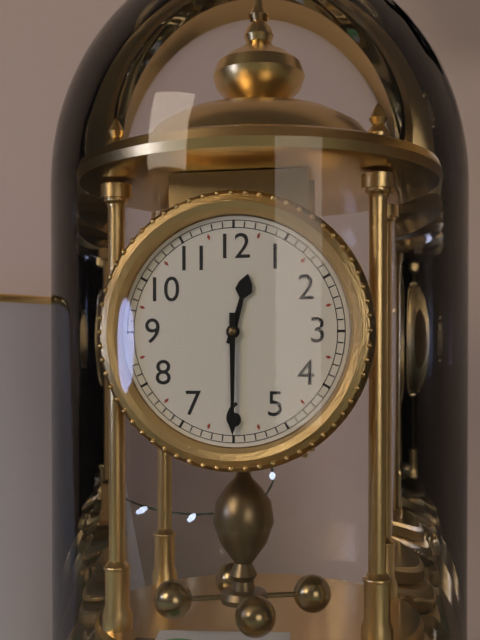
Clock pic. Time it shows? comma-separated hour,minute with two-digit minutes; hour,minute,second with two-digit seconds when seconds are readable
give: 12,30
